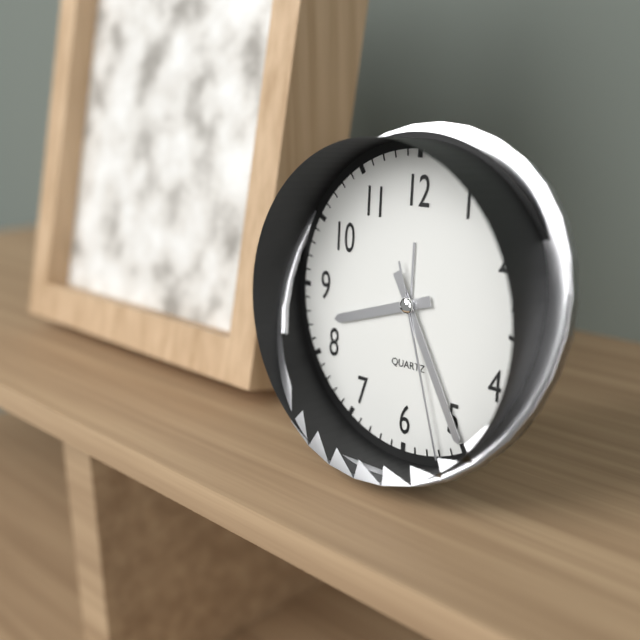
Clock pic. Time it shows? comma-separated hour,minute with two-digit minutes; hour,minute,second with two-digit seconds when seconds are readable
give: 8,25,27
